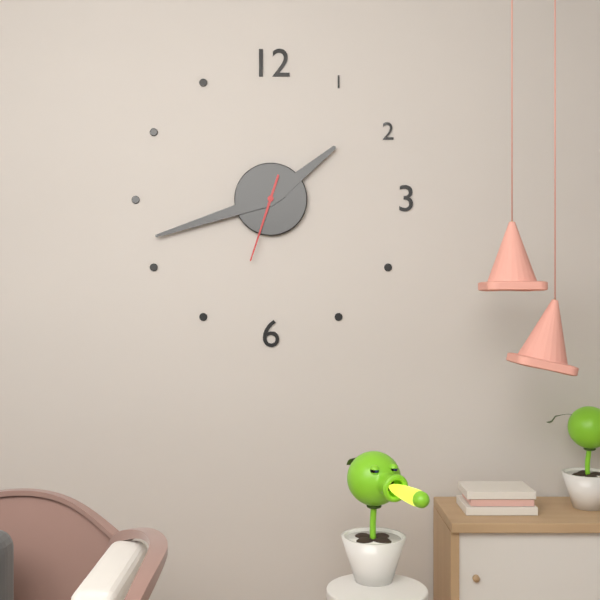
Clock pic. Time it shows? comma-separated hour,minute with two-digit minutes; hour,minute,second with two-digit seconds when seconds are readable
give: 1,42,33
